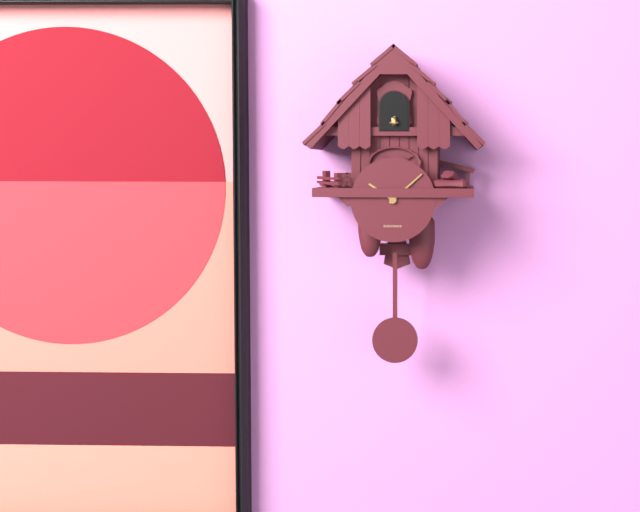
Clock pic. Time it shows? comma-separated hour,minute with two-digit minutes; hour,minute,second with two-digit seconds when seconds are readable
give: 10,08
